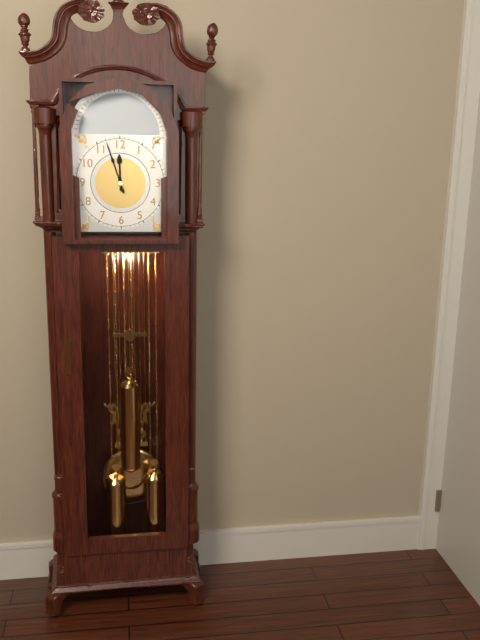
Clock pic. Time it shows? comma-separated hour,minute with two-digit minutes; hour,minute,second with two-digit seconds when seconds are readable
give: 11,57
